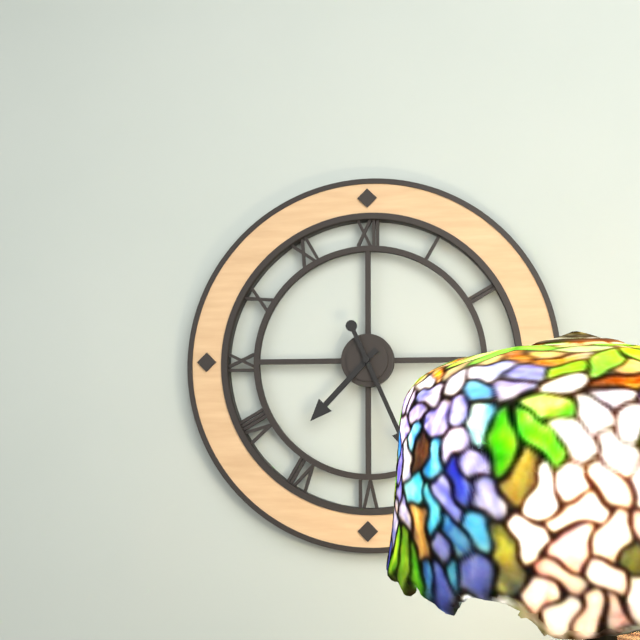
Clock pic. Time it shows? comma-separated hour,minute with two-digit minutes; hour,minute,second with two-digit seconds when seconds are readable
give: 7,26
